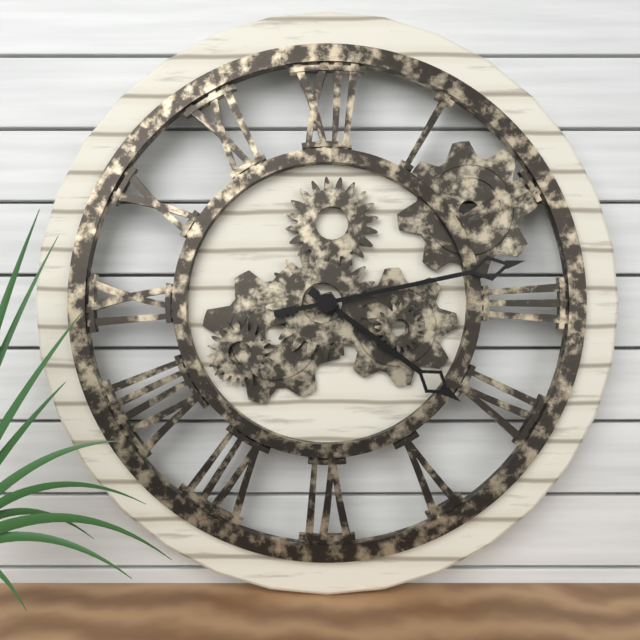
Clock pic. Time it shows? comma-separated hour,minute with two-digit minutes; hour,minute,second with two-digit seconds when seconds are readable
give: 4,13
